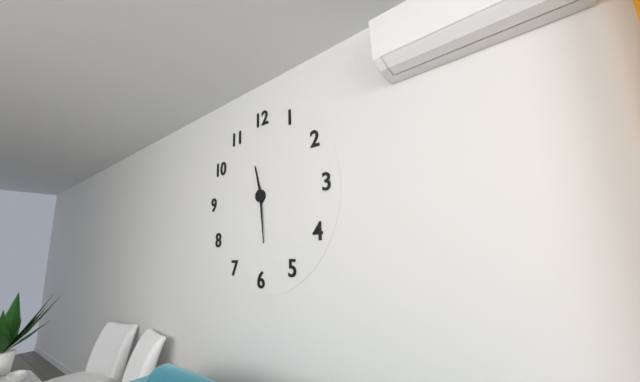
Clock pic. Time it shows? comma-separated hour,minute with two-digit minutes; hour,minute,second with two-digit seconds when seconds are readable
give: 11,29
